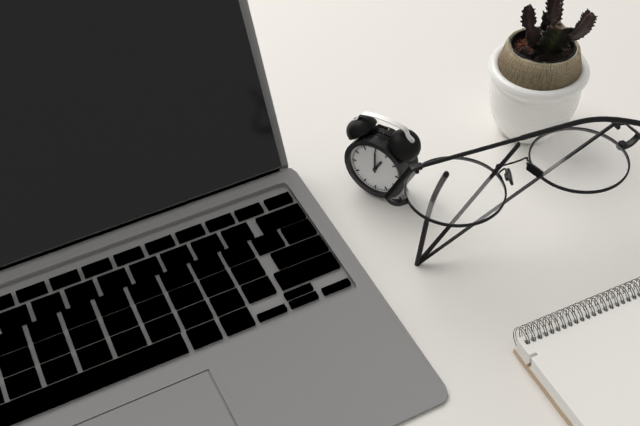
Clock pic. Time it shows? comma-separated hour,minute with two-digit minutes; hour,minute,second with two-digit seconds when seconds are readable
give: 1,00
